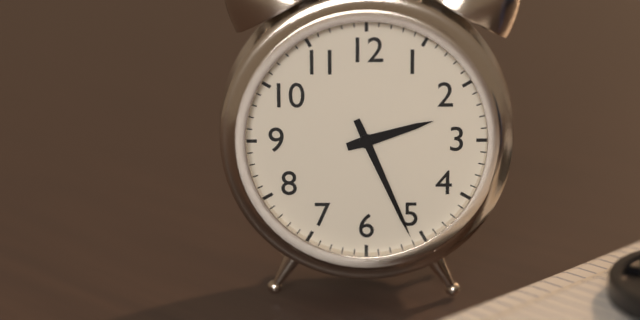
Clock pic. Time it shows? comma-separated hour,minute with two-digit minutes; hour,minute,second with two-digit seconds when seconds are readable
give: 2,26
